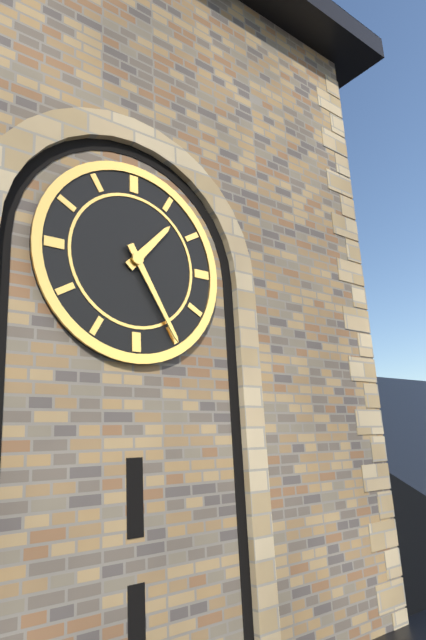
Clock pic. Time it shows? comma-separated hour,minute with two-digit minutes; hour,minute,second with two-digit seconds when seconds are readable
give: 1,25
